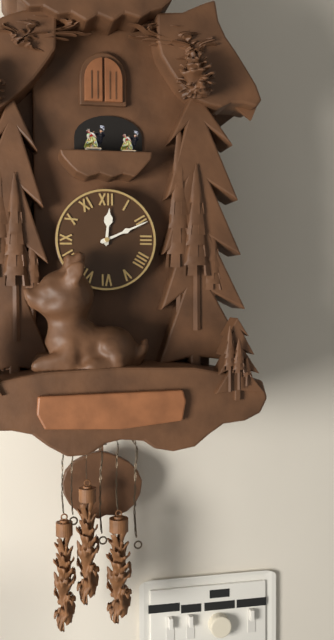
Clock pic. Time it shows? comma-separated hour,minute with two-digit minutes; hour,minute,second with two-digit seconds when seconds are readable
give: 12,11
